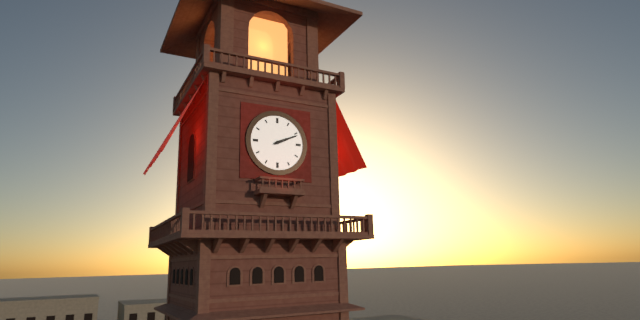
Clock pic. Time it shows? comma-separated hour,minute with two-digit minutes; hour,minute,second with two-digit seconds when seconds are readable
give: 2,11
